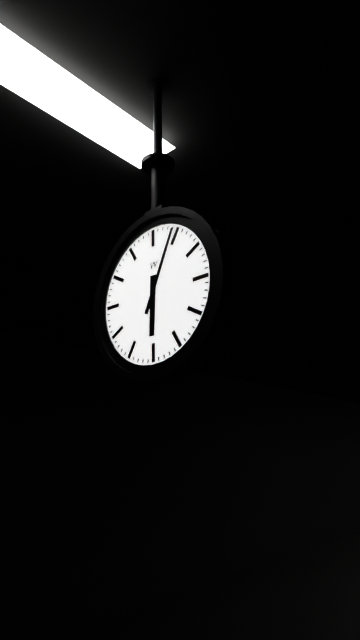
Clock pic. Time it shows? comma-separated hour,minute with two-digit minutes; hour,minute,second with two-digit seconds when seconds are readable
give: 6,04
